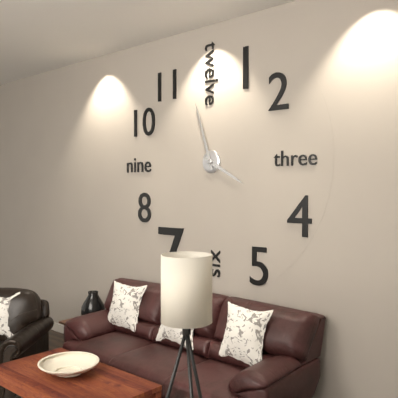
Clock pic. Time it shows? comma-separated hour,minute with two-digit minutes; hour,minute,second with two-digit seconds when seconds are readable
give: 3,57
